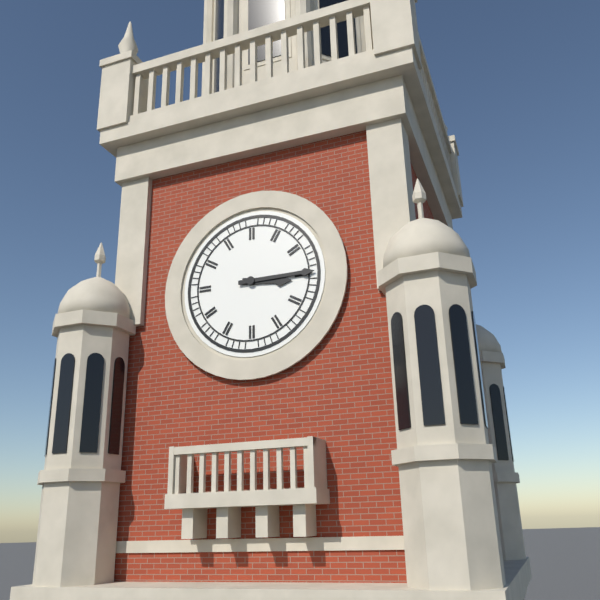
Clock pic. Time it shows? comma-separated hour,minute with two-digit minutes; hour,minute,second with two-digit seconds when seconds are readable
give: 3,15
